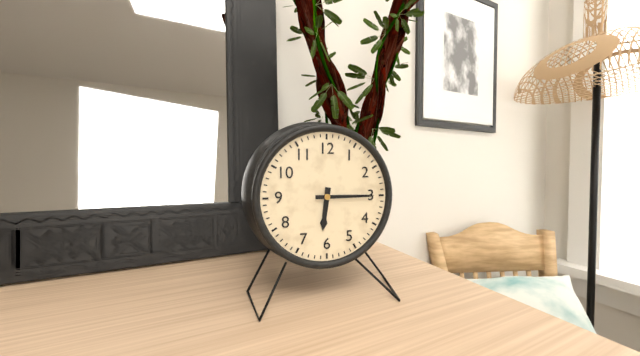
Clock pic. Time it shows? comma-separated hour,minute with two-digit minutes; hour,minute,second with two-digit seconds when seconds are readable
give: 6,15
